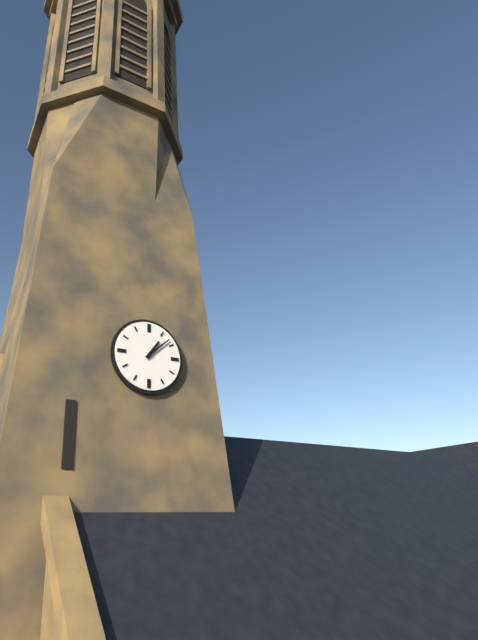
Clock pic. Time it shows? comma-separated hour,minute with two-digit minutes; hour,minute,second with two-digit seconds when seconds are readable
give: 1,08
